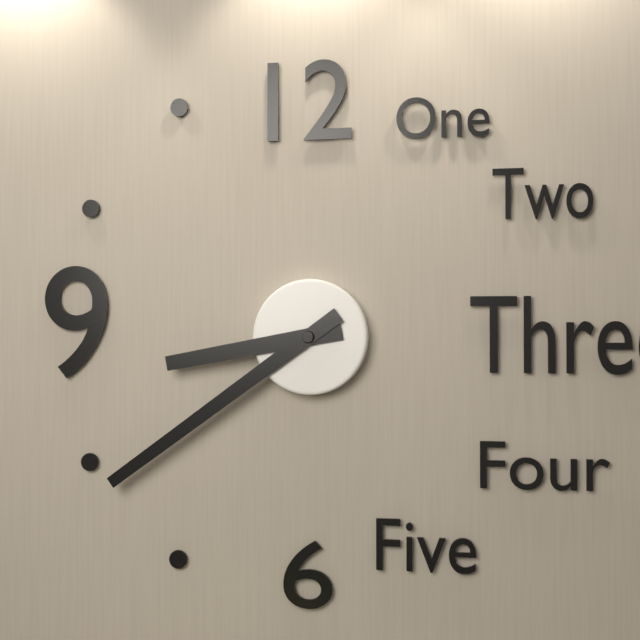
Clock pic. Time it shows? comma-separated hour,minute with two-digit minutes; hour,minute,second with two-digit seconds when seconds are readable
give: 8,39
